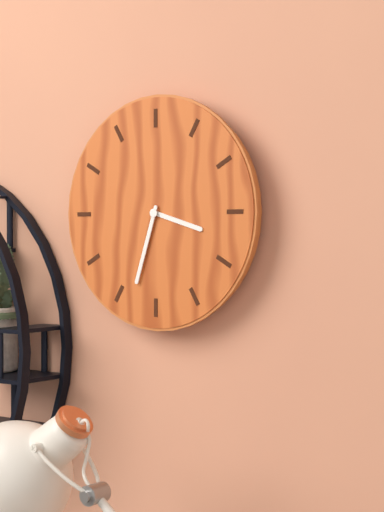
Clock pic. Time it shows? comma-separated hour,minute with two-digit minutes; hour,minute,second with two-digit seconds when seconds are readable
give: 3,33
